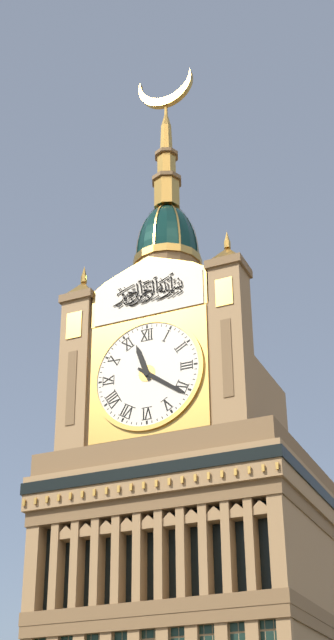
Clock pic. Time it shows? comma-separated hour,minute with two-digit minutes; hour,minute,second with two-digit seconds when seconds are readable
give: 11,21
